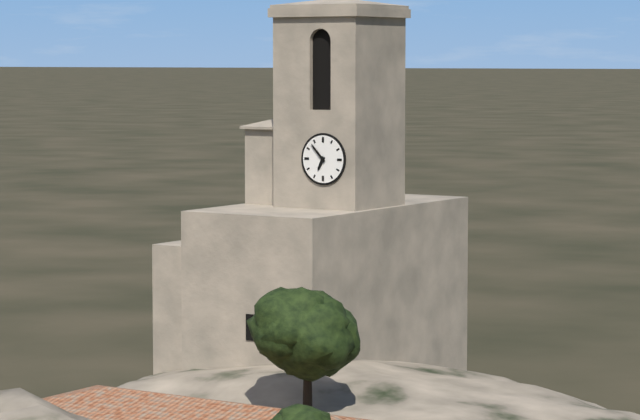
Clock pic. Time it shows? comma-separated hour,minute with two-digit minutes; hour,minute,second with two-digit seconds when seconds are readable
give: 6,53
